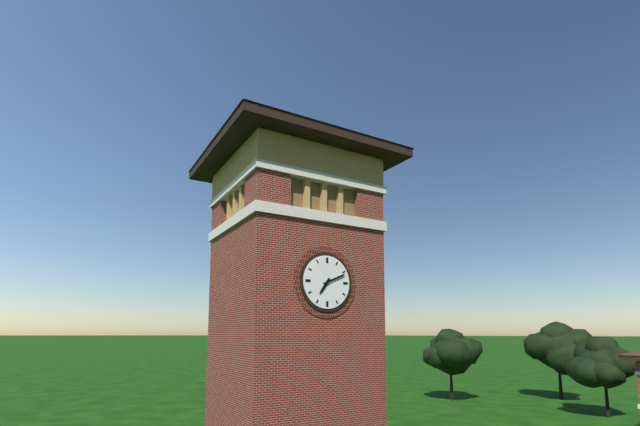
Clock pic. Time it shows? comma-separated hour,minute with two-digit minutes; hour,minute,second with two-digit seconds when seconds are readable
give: 7,11
